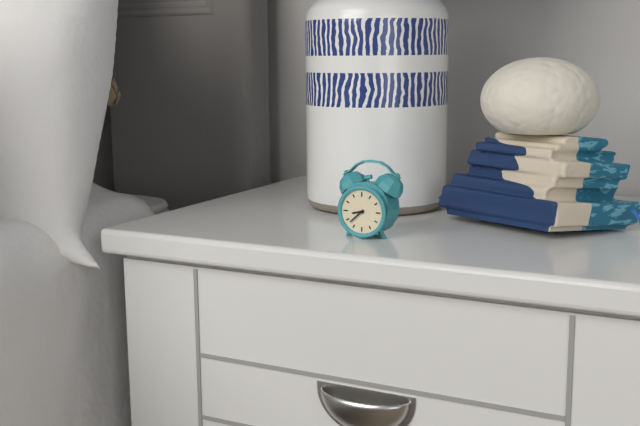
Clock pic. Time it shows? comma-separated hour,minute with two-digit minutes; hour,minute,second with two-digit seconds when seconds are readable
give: 8,38
